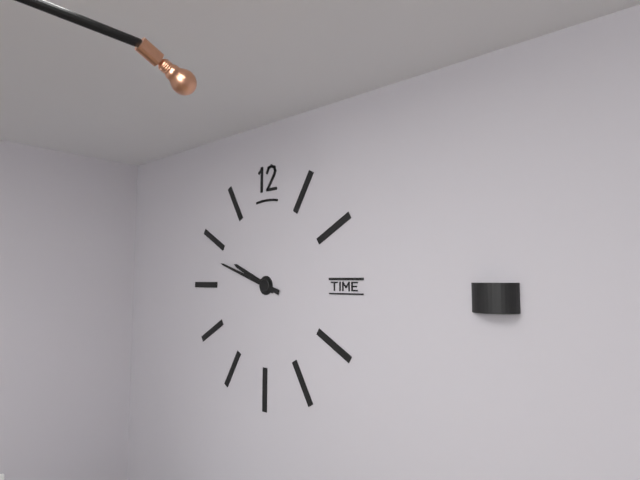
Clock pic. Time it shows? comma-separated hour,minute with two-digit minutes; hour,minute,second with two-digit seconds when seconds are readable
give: 9,48
